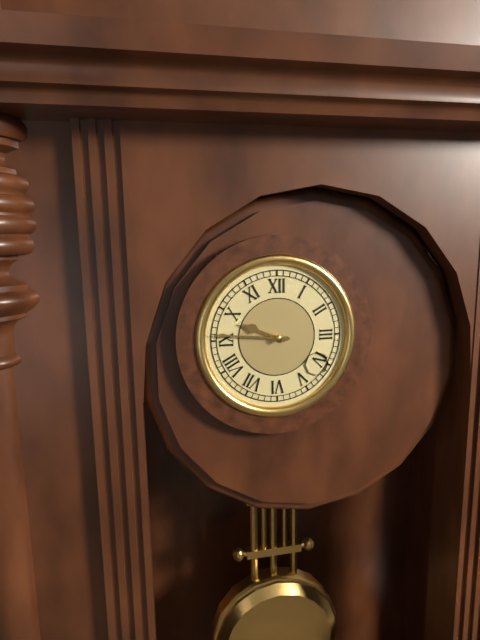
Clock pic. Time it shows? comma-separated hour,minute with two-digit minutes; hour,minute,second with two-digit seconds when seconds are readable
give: 9,46
